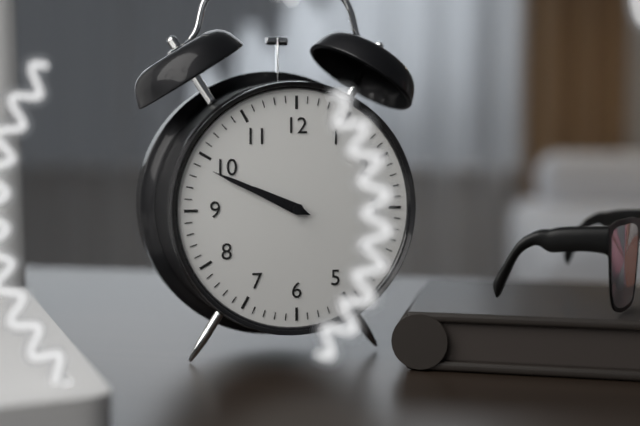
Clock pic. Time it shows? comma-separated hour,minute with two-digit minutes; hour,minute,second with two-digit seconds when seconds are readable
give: 9,49
